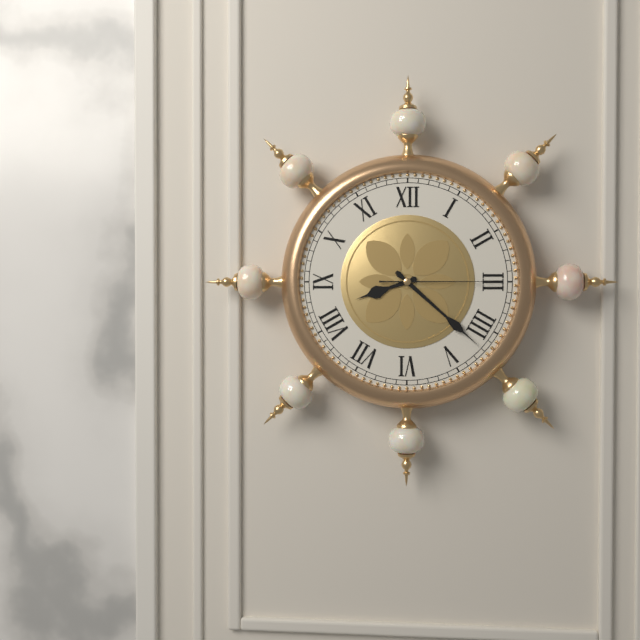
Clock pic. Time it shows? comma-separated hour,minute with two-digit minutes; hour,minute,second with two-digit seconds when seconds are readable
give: 8,22,15
